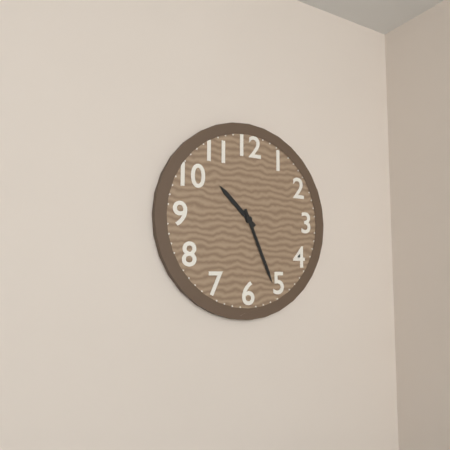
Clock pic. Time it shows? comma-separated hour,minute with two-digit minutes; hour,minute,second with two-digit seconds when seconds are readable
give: 10,26
